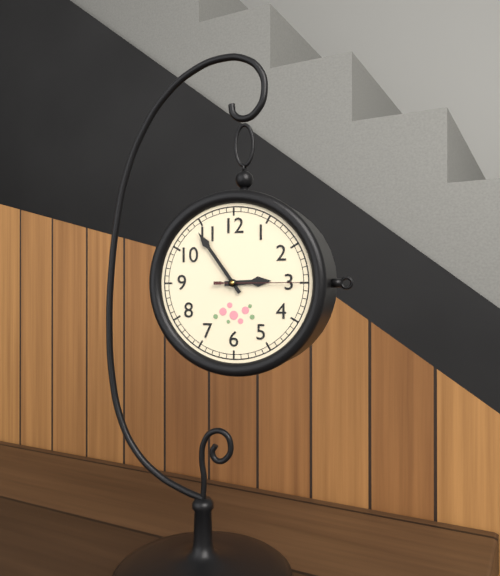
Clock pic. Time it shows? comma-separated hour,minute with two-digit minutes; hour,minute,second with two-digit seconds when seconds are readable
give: 2,54,15
